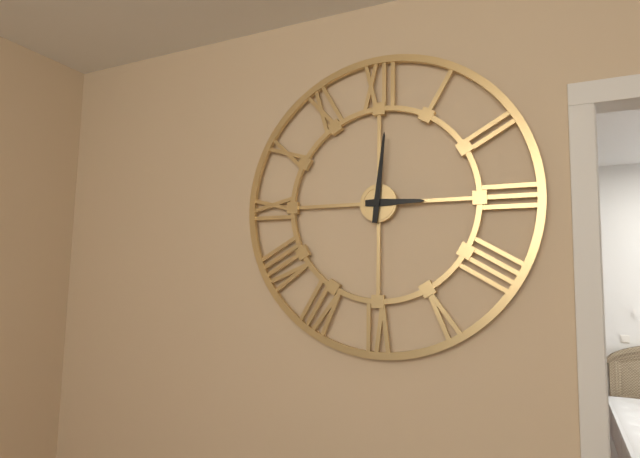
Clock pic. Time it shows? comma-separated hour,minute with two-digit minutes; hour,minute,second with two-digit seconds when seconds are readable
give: 3,01
